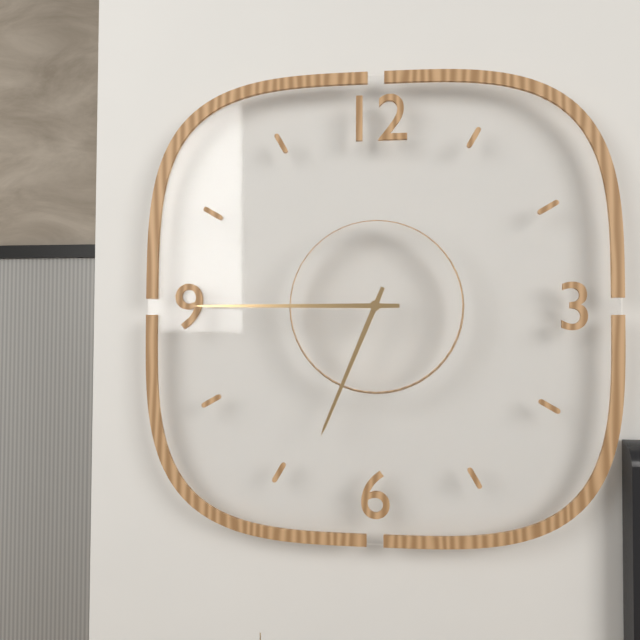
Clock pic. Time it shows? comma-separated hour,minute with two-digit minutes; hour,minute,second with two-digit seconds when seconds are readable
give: 6,45
